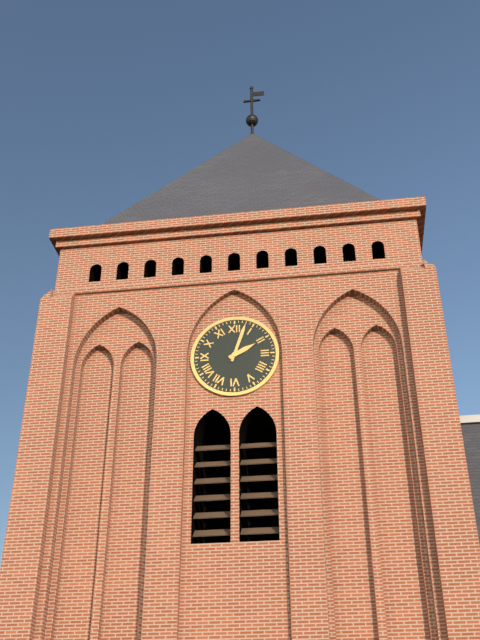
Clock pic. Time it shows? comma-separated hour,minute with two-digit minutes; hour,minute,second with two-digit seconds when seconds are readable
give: 2,03
